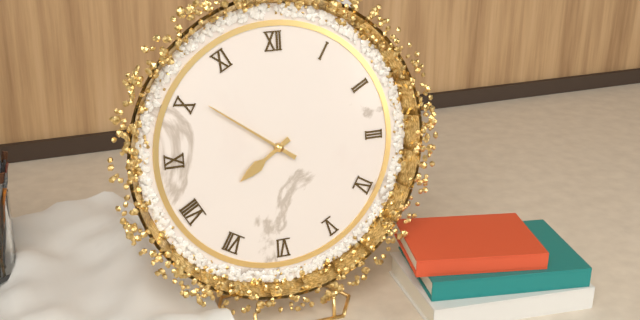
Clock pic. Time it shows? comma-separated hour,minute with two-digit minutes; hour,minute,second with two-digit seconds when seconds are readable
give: 7,51
